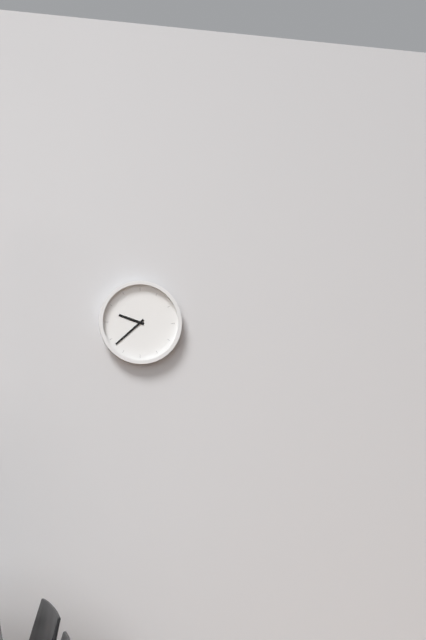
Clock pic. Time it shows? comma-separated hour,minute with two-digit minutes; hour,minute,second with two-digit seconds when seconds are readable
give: 9,38
